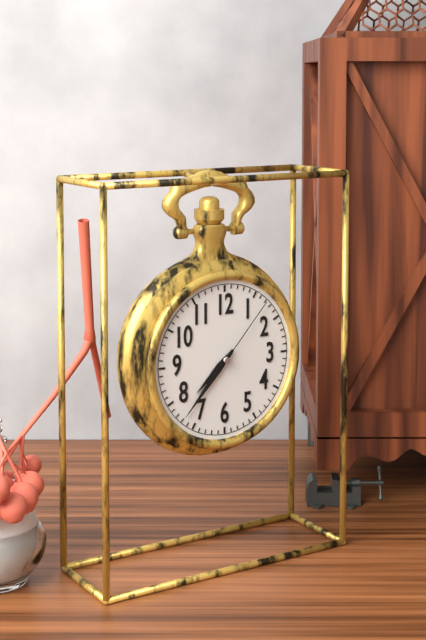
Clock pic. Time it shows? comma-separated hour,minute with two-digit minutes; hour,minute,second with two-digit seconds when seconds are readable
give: 7,37,07
